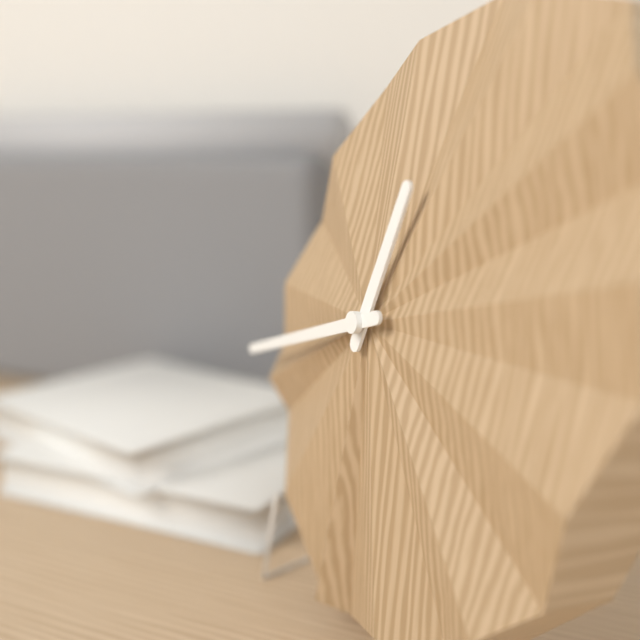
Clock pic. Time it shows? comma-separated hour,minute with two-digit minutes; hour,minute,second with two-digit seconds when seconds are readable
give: 12,42
